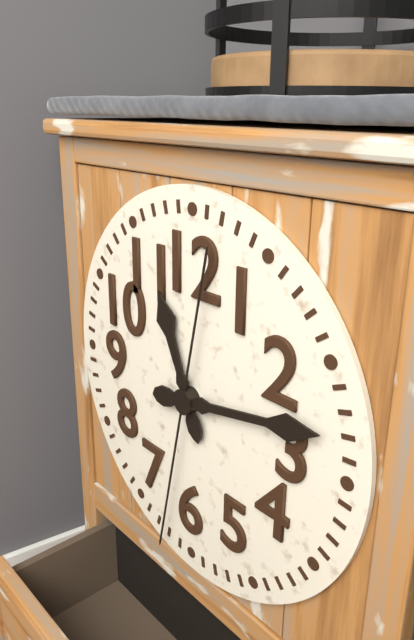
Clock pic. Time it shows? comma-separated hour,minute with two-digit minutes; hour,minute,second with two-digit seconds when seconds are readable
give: 11,13,32
